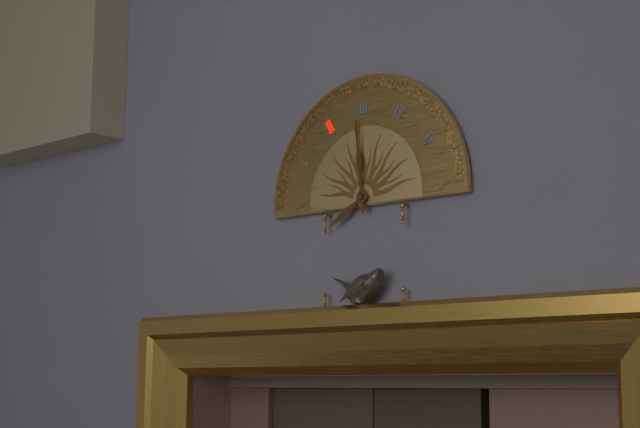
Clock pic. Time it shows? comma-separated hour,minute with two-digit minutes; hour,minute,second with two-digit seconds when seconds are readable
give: 7,59
